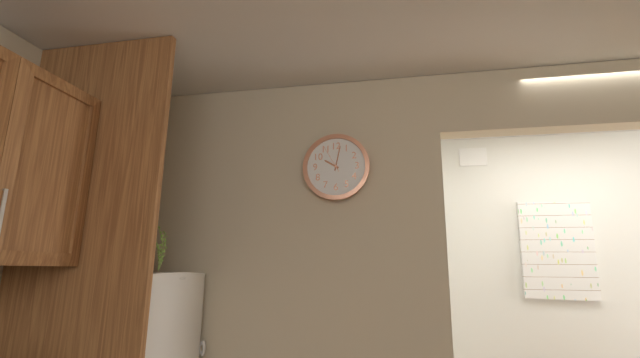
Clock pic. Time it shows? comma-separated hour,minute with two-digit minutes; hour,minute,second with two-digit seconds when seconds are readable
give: 10,02
